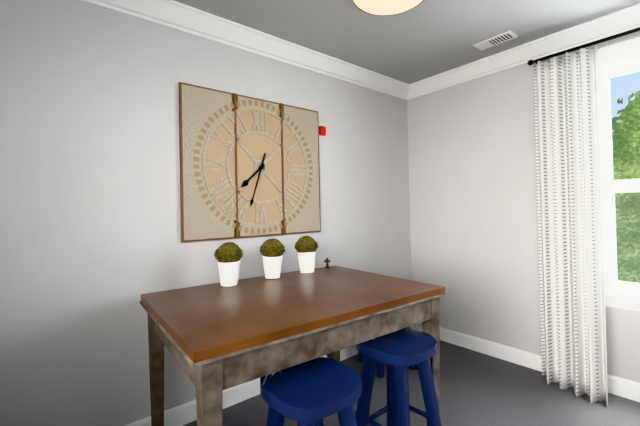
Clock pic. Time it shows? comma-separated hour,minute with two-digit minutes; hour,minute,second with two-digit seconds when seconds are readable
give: 7,33
